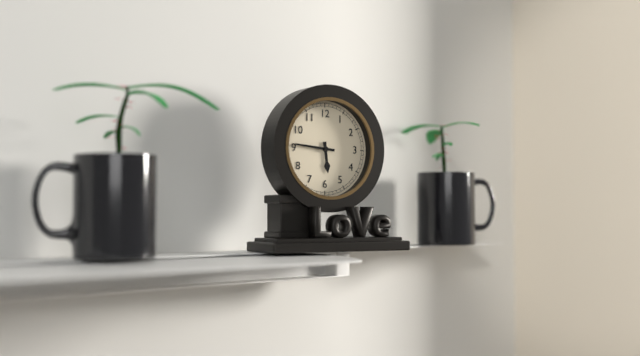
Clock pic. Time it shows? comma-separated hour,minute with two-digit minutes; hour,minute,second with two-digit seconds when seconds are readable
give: 5,46
